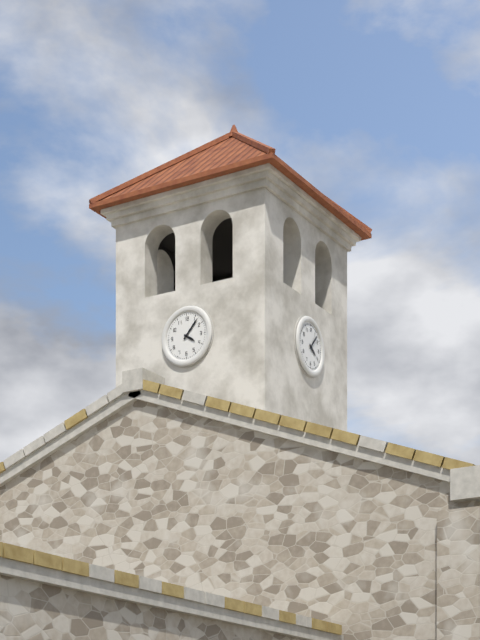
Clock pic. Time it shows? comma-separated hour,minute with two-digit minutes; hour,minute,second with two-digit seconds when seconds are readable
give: 4,07
